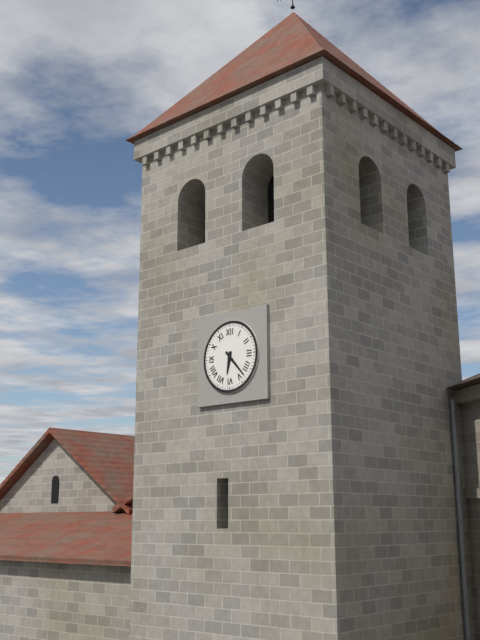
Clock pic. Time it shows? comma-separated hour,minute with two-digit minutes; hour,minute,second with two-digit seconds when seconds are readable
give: 6,23
